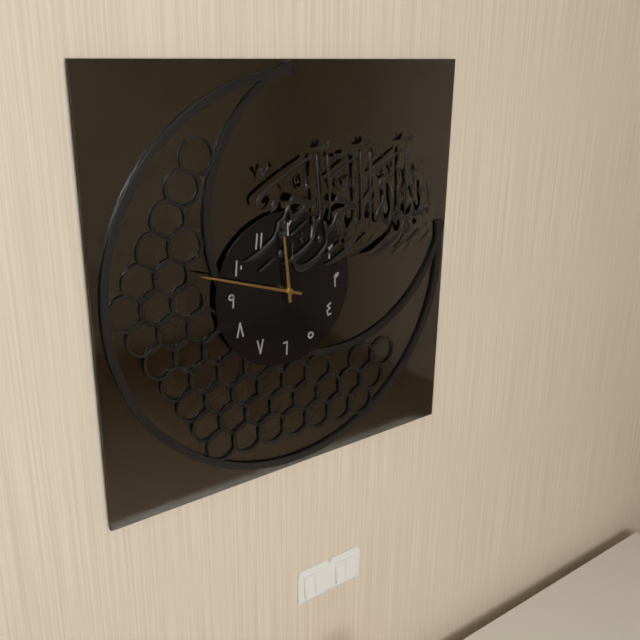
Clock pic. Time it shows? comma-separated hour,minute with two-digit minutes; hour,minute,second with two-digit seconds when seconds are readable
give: 11,48
